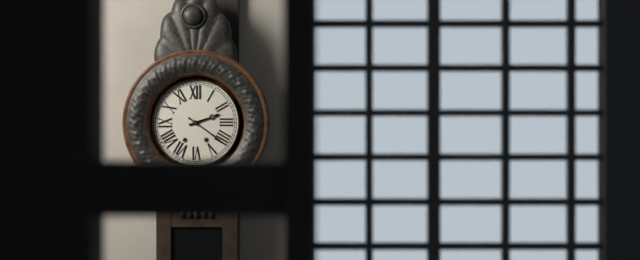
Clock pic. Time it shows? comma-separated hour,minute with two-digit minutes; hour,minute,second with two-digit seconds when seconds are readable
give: 2,21
